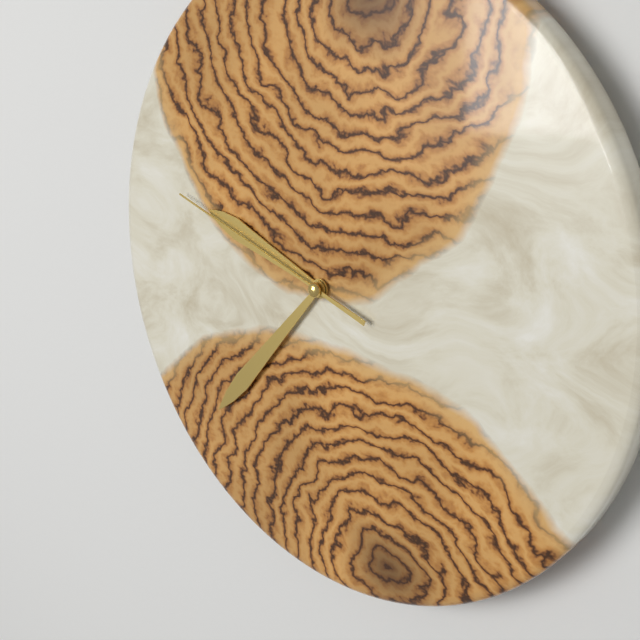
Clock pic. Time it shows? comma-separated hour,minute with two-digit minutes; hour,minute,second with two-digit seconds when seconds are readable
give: 9,37,48
